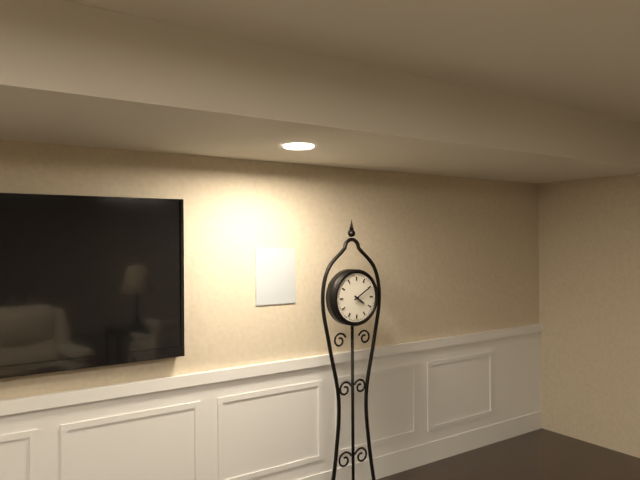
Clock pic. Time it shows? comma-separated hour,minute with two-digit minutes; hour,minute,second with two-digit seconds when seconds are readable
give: 4,10
